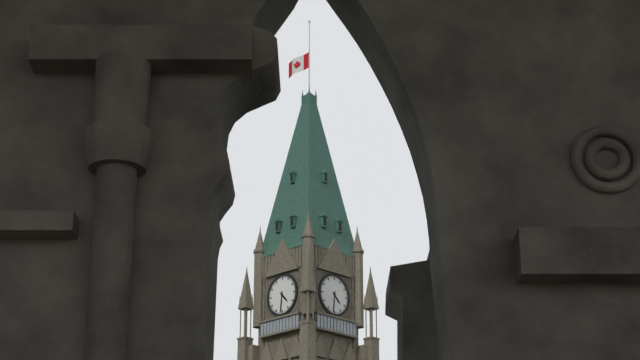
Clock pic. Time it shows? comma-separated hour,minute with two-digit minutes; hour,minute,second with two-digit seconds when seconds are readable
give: 4,31
